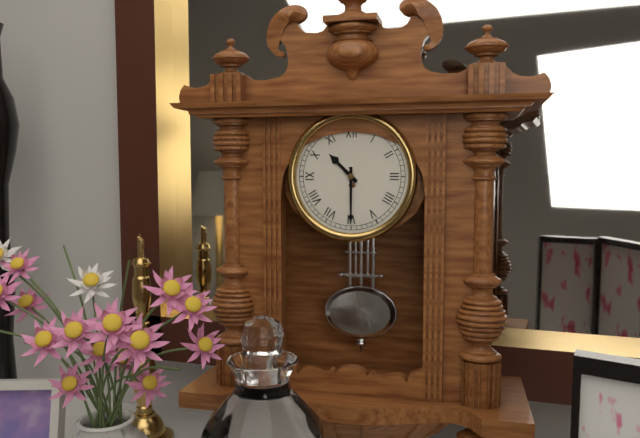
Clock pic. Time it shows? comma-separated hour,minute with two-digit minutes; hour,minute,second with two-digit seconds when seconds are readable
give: 10,30
